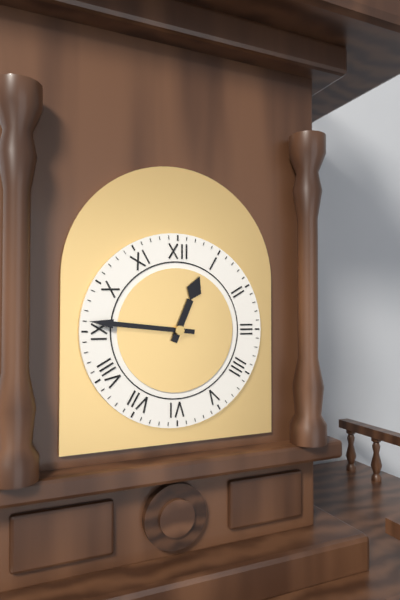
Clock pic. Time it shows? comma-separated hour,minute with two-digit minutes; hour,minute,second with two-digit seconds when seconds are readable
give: 12,46
